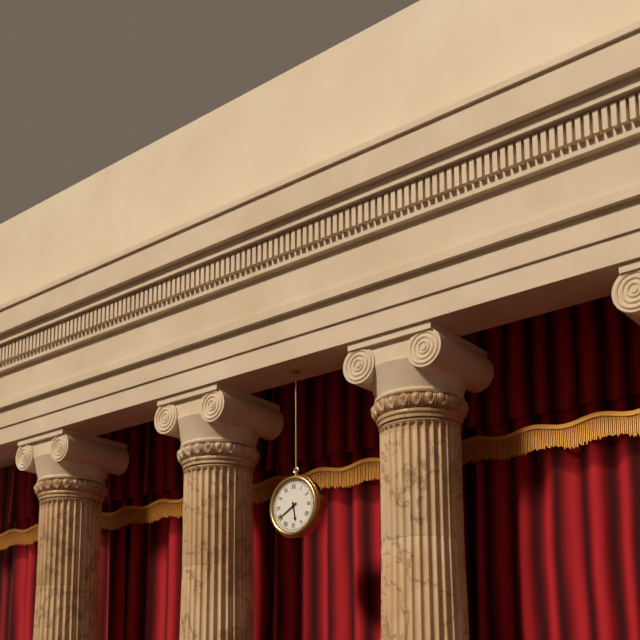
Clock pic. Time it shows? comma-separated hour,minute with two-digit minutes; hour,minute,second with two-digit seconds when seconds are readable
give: 5,40
